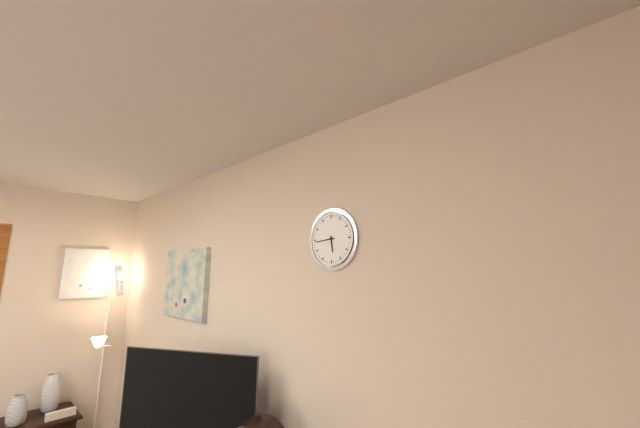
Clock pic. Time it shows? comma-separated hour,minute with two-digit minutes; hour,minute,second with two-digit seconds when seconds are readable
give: 5,44
